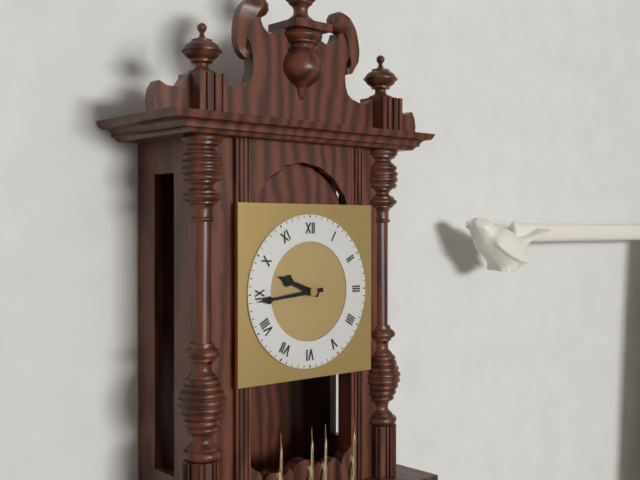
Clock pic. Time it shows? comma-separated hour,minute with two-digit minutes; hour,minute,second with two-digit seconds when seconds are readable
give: 9,44
